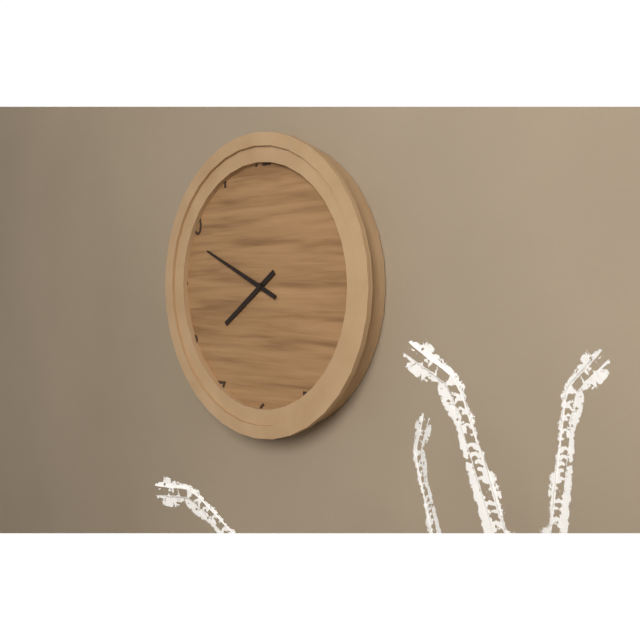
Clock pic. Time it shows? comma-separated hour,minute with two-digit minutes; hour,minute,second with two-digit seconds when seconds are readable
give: 7,49
